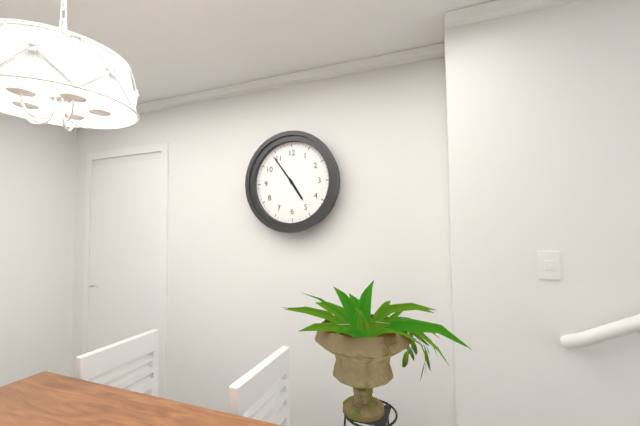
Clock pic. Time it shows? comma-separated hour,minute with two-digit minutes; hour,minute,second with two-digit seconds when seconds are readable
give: 4,54
